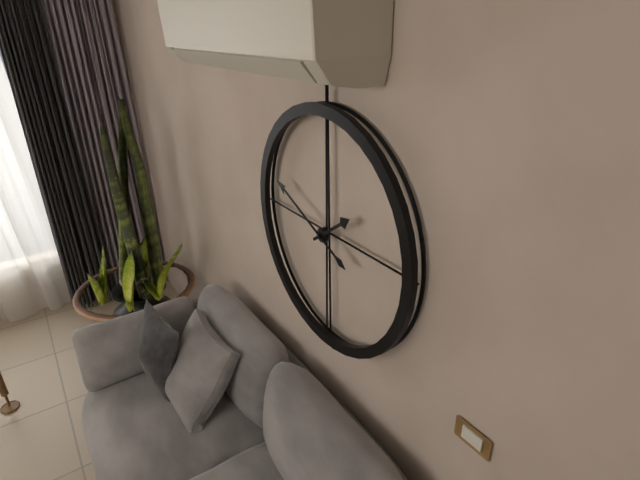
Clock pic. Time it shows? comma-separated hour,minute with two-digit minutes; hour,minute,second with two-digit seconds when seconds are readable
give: 1,49
